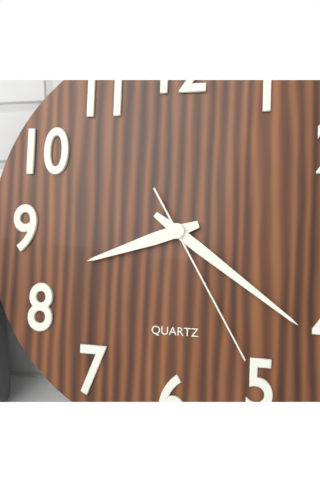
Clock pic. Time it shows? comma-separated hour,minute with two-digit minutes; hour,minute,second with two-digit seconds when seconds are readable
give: 8,21,25
